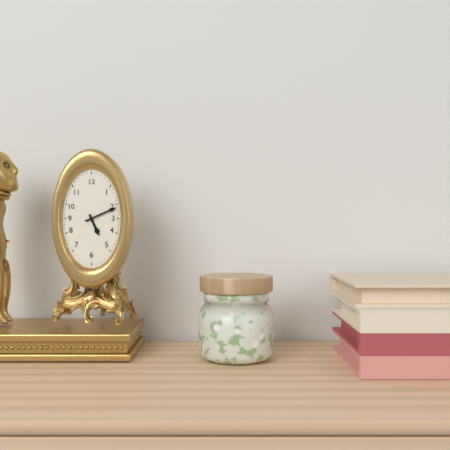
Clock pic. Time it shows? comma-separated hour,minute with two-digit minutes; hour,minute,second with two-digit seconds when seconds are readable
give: 5,11
